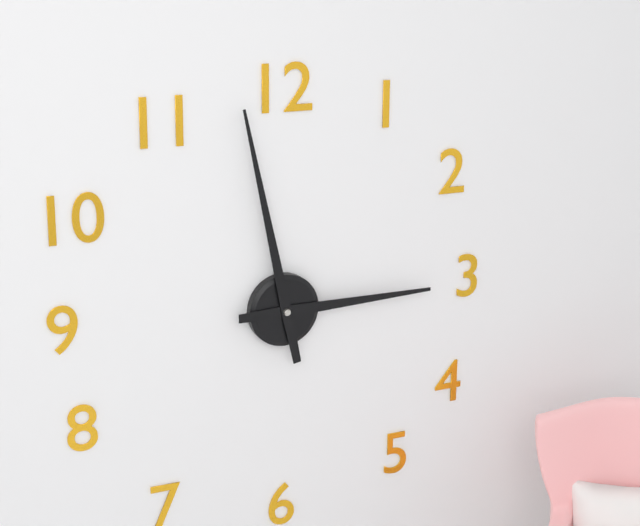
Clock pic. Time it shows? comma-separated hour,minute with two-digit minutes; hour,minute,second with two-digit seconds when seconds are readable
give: 2,58
